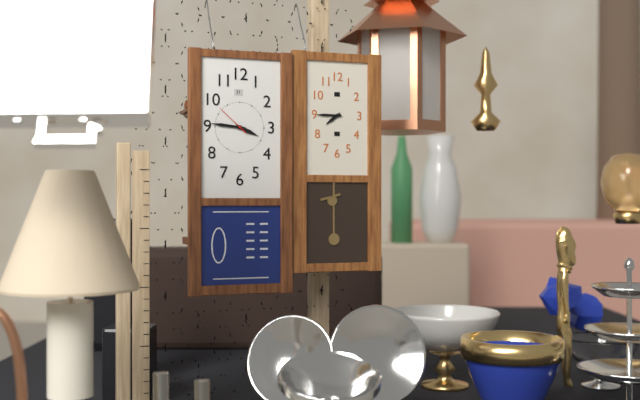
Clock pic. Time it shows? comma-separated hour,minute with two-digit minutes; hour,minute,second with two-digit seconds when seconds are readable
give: 3,46
